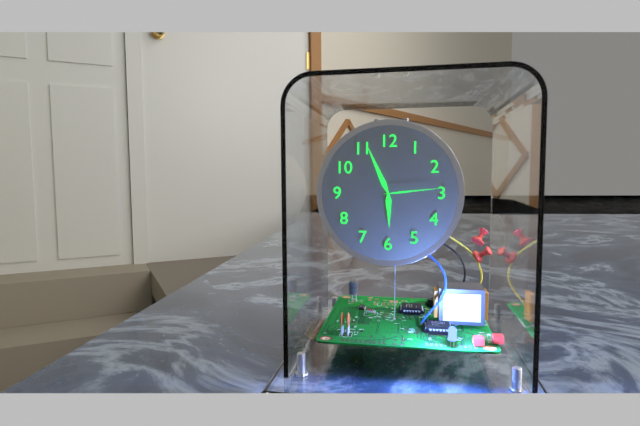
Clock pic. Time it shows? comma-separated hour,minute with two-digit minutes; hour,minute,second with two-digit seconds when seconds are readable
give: 5,56,14
